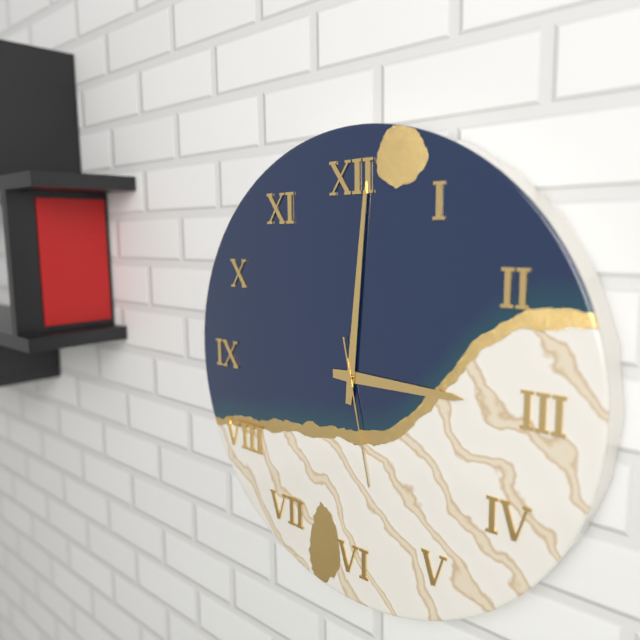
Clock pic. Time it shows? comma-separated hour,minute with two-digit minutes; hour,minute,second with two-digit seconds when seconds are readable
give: 3,01,28
